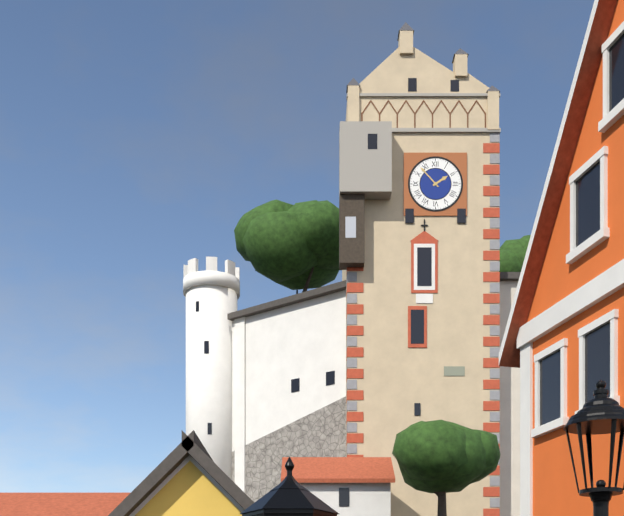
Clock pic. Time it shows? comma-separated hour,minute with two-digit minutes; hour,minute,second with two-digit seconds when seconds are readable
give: 1,53
